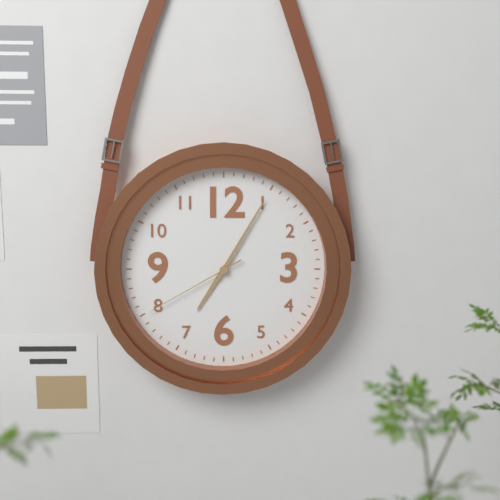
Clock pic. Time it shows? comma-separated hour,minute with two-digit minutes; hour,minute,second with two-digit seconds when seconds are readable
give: 7,05,40
